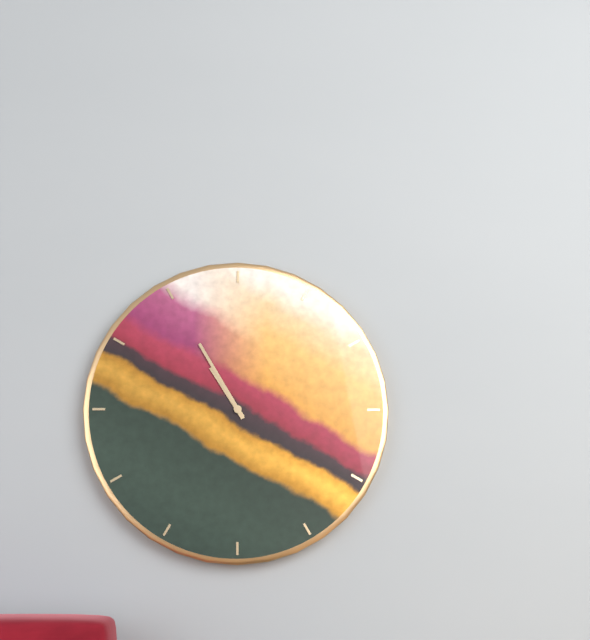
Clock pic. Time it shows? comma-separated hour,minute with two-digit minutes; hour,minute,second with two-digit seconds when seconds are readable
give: 10,55
